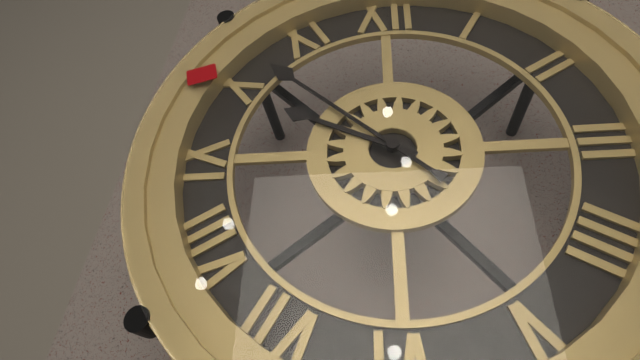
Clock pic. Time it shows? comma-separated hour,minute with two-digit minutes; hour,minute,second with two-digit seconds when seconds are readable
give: 9,52
